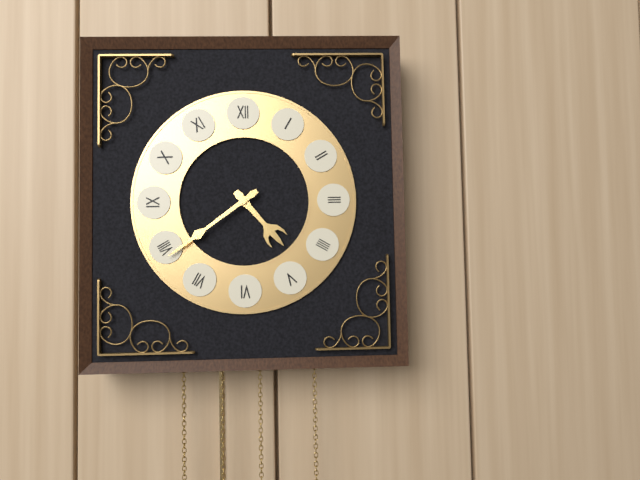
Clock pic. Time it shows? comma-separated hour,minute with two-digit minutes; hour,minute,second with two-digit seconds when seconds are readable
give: 4,39
